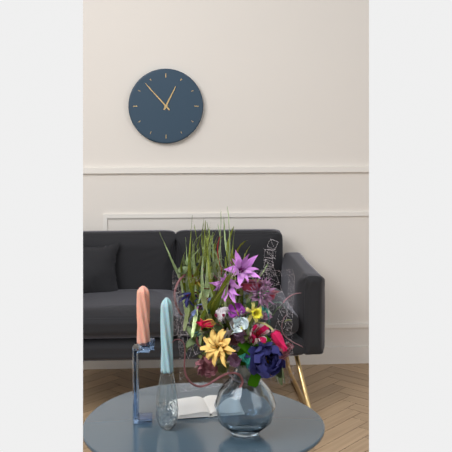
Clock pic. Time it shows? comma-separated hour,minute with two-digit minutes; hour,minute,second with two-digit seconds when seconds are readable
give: 12,53
